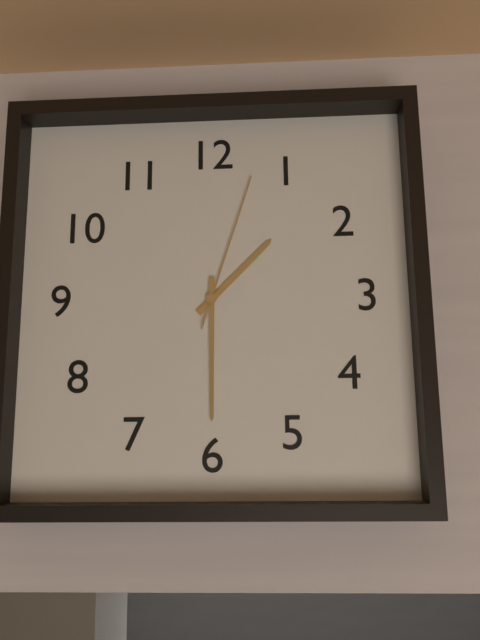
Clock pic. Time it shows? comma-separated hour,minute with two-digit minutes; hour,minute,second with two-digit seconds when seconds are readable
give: 1,30,03
